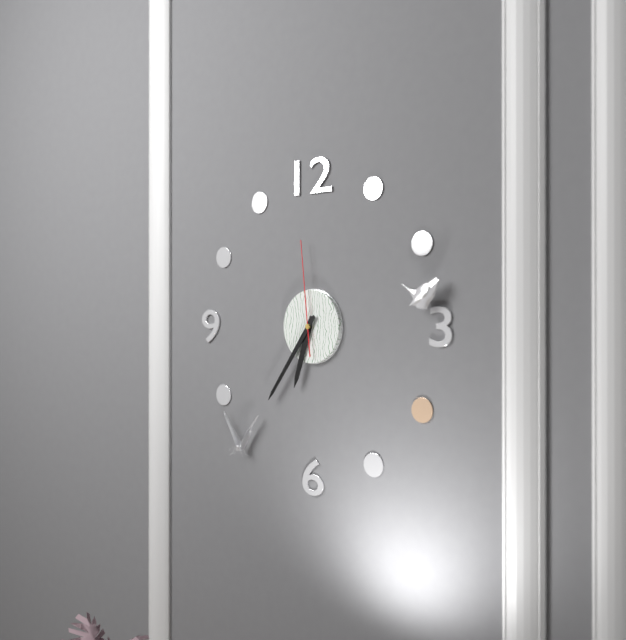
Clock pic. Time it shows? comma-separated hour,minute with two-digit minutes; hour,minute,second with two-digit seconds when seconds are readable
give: 6,36,59
